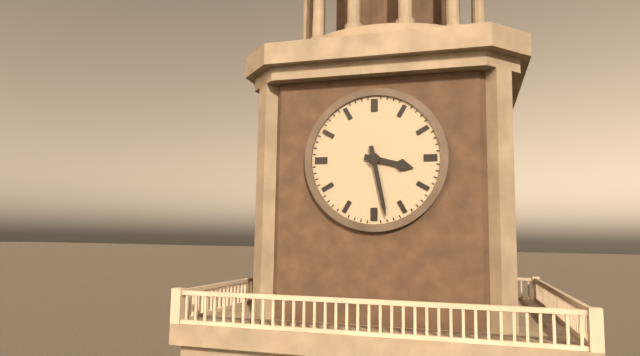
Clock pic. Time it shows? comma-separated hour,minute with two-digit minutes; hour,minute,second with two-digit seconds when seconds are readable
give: 3,28
